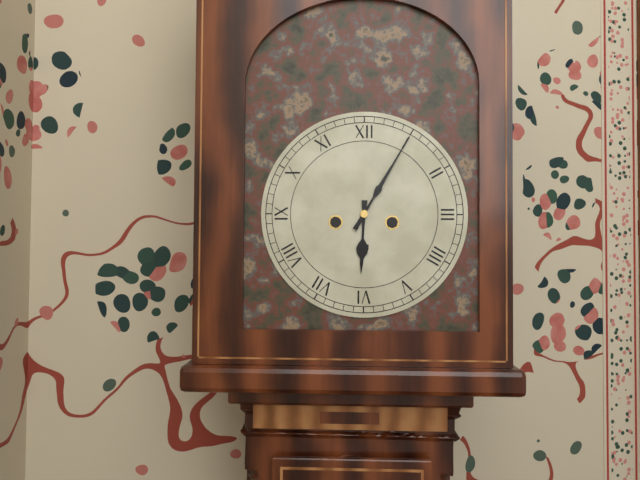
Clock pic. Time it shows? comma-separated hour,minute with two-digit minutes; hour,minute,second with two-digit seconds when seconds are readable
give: 6,05
